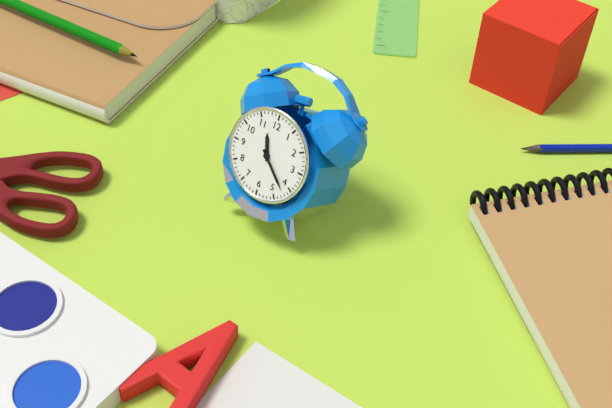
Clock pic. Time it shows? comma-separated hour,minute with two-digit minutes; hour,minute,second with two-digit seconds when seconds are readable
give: 11,22
